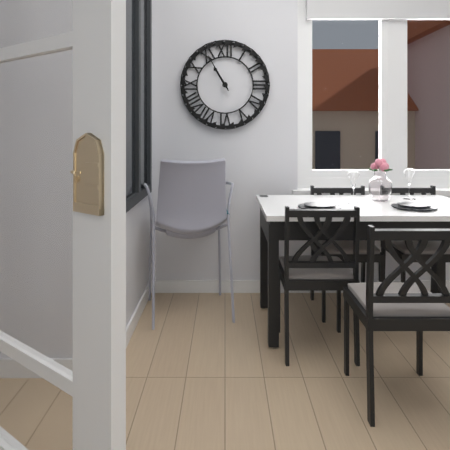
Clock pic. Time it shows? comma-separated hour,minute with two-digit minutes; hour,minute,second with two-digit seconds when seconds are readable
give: 10,55
